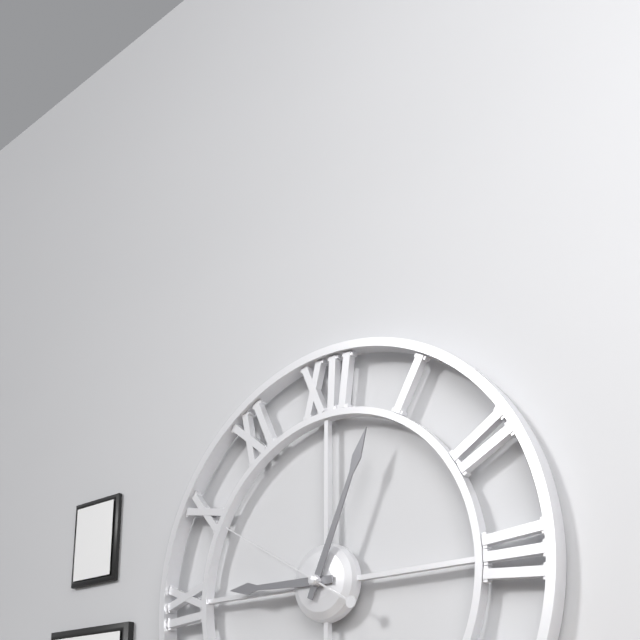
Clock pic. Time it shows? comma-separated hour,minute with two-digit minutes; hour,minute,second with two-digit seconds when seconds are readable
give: 9,04,50
